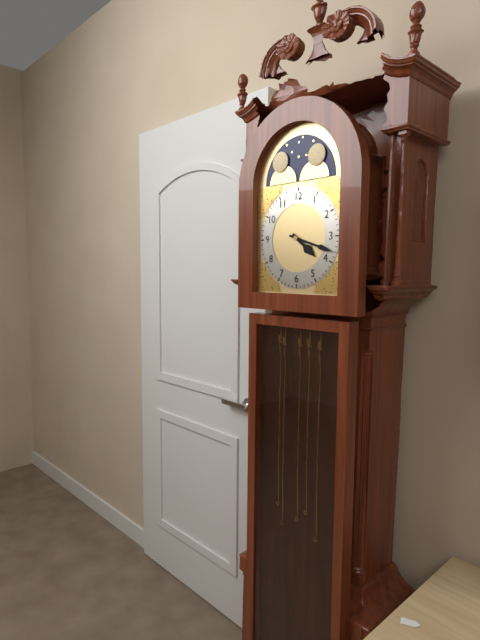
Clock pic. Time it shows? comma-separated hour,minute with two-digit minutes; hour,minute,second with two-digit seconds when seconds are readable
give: 4,18
